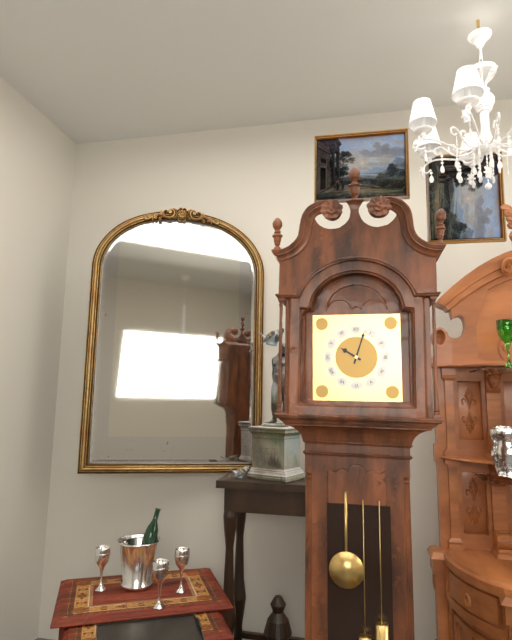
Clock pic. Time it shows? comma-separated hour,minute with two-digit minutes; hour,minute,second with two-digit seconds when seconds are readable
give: 10,03
